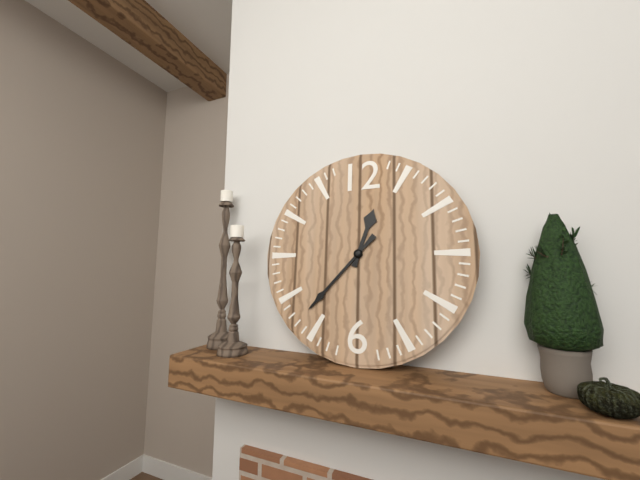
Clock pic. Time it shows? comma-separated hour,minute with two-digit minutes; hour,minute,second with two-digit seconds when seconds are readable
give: 12,37
